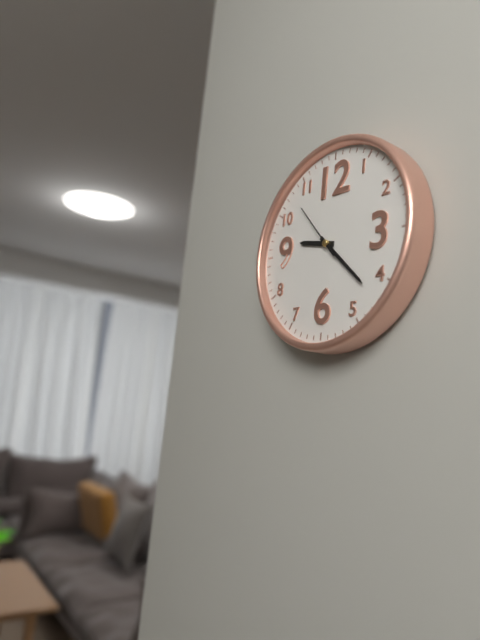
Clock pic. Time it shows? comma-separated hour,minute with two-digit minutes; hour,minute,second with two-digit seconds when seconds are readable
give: 9,22,53
